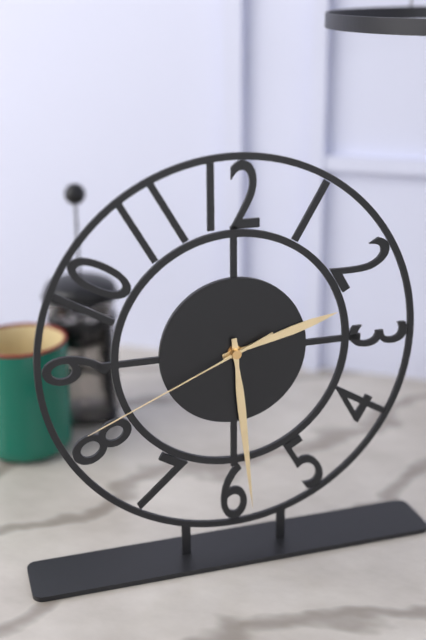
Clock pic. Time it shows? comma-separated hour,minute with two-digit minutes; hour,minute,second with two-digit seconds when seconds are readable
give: 2,29,41
